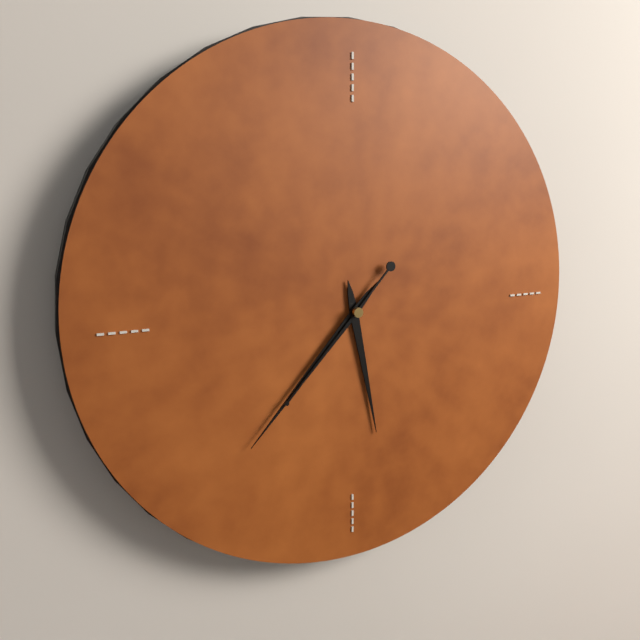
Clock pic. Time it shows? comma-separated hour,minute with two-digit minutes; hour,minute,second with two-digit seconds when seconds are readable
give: 5,37,37
